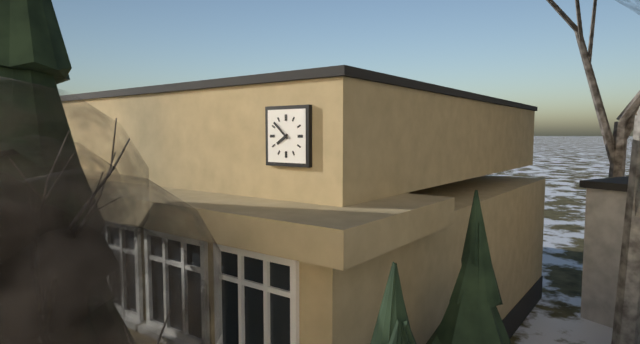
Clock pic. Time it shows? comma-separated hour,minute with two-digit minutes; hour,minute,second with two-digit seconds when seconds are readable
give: 7,52
